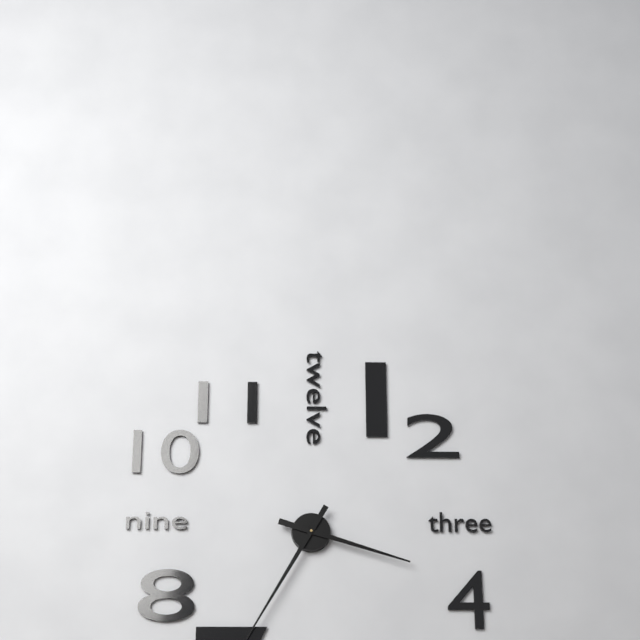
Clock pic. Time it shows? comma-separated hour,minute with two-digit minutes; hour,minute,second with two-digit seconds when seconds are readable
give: 3,35
